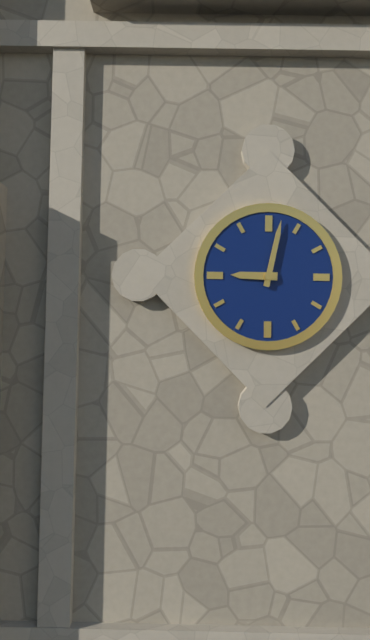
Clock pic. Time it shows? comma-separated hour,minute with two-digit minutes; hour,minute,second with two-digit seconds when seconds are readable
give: 9,02
